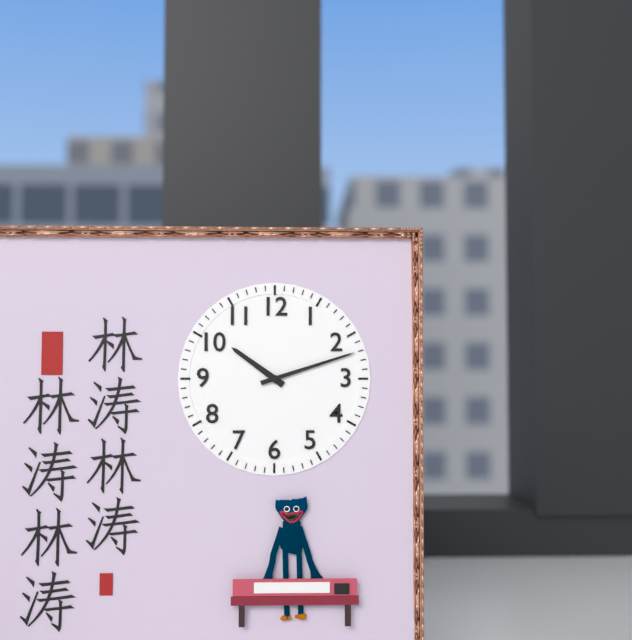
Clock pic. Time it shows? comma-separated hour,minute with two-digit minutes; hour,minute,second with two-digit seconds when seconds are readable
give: 10,12
